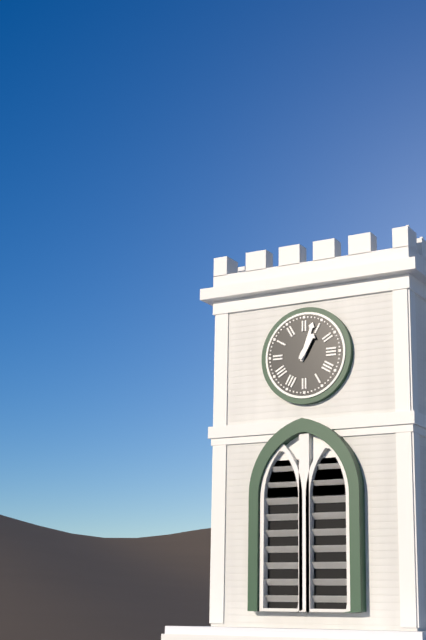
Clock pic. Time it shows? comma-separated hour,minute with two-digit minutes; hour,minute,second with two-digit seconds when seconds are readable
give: 1,03
